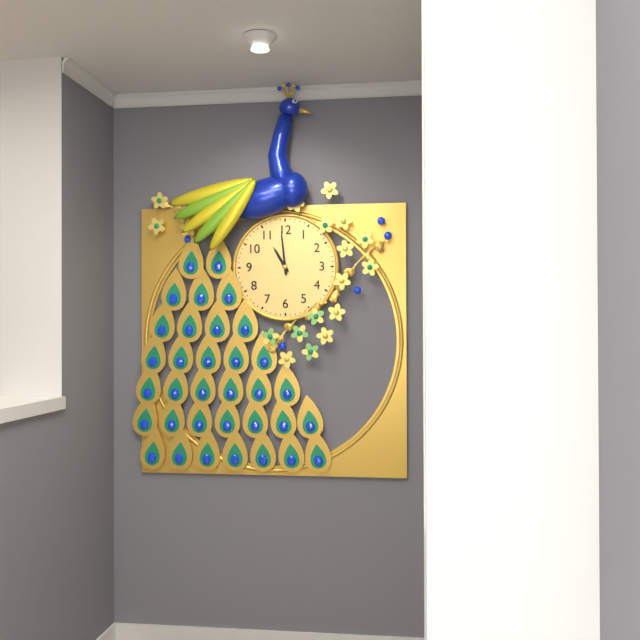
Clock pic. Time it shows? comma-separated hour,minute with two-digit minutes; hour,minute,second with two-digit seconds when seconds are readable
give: 10,59
